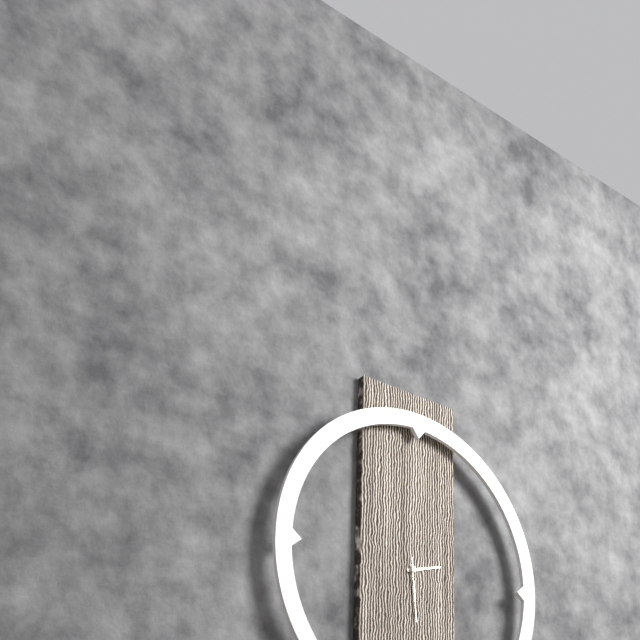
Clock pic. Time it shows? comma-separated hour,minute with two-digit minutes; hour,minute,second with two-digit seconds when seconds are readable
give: 2,29
